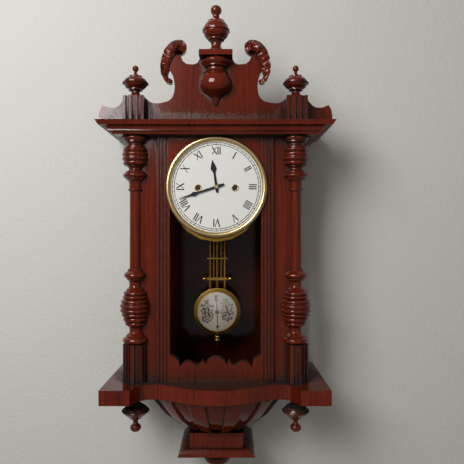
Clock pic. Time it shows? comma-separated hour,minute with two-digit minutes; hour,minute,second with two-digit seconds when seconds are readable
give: 11,42
